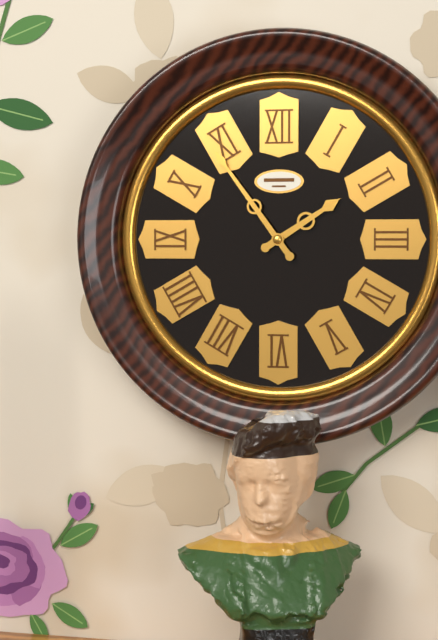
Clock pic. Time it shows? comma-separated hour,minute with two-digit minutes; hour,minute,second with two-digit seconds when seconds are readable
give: 1,54
